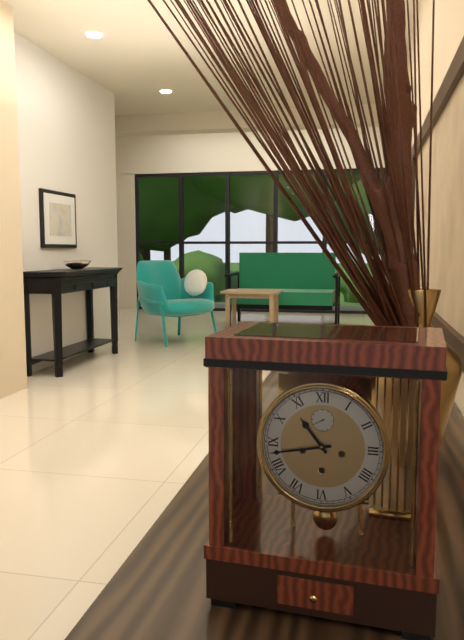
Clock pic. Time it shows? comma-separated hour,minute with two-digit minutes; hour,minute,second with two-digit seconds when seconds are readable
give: 10,43
